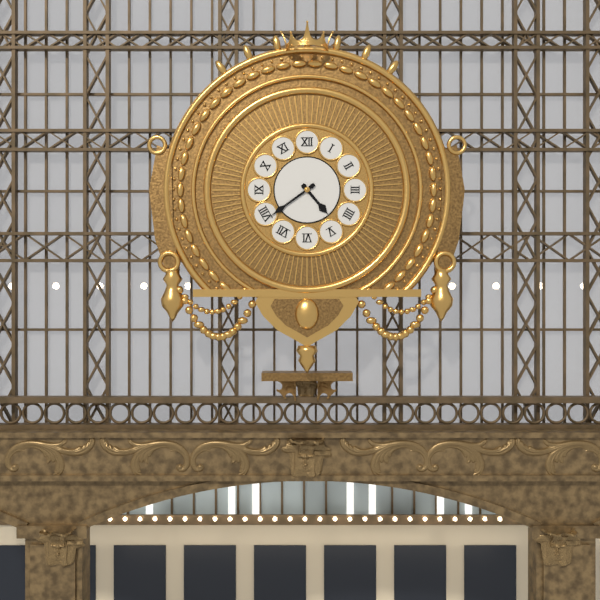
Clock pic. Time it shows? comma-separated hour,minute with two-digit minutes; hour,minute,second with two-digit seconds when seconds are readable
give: 4,39
